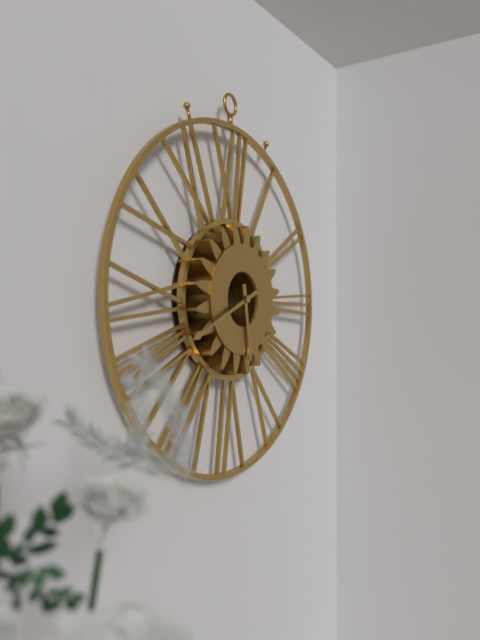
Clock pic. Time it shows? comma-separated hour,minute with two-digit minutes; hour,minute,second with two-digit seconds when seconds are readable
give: 5,41
